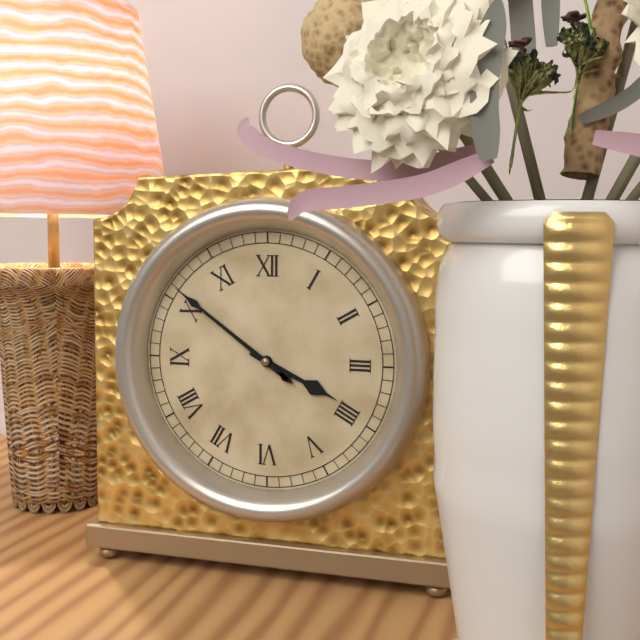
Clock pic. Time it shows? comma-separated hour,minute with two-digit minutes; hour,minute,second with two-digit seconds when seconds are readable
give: 3,51
